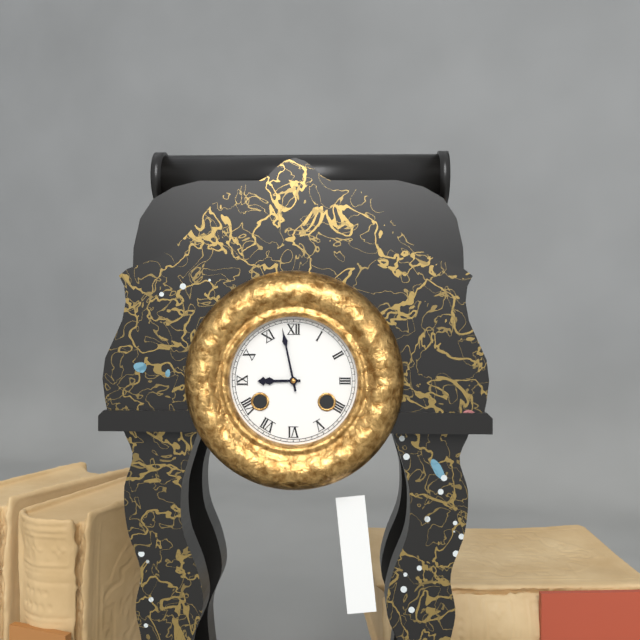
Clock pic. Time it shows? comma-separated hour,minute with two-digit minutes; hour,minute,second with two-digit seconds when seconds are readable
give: 8,58
